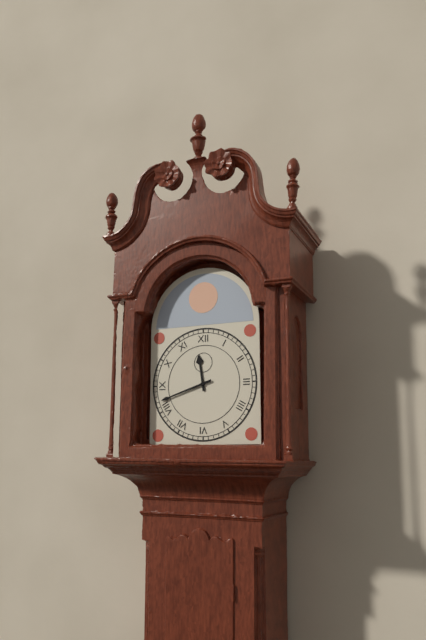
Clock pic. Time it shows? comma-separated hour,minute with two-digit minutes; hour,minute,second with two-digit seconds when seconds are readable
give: 11,42
